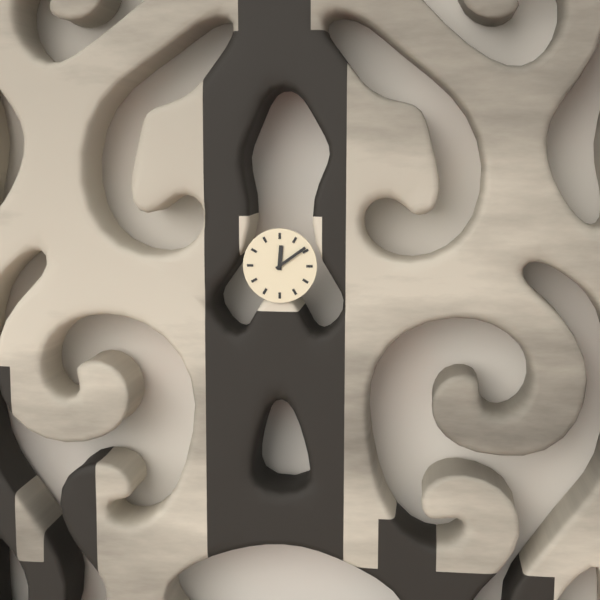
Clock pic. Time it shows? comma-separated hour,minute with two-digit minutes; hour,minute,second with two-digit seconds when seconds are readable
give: 12,09
